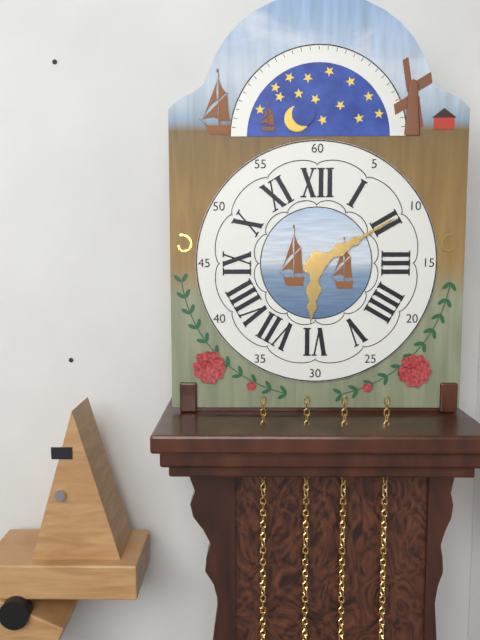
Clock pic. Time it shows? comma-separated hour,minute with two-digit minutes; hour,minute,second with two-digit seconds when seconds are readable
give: 6,10
